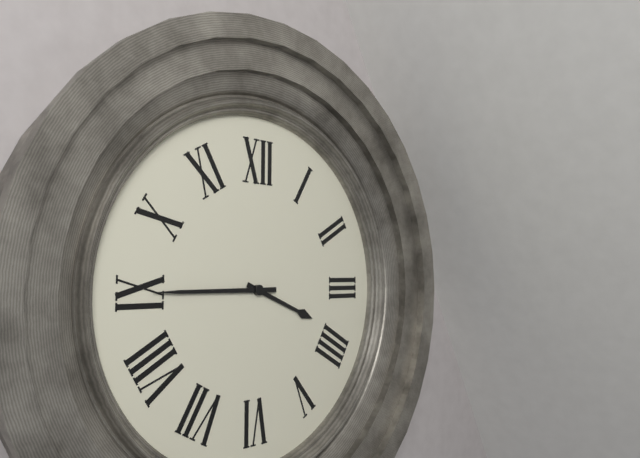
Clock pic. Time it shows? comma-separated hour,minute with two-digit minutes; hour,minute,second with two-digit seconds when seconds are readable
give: 3,45
